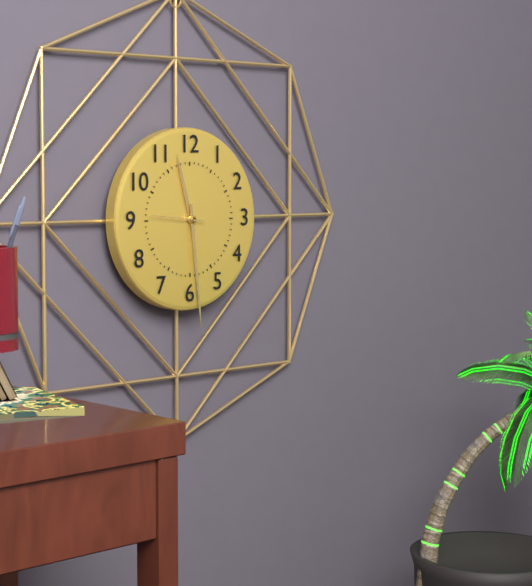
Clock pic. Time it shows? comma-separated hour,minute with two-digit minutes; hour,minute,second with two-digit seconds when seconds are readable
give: 11,29,46
